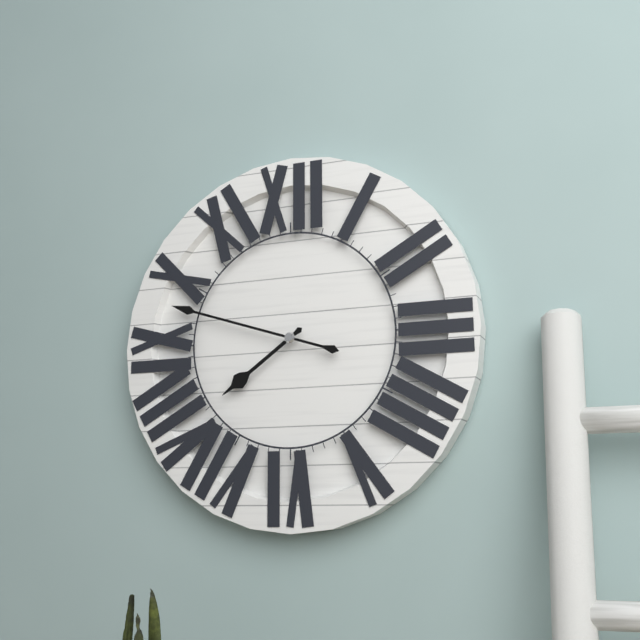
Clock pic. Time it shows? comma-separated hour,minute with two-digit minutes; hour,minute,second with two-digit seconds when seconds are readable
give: 7,48
